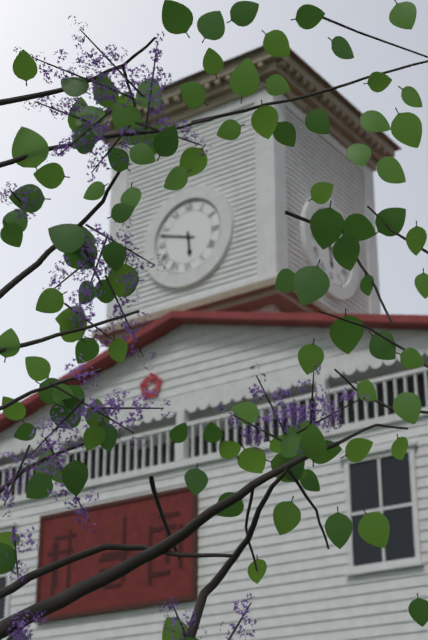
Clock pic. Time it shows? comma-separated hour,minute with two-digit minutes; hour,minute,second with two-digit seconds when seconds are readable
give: 5,48
